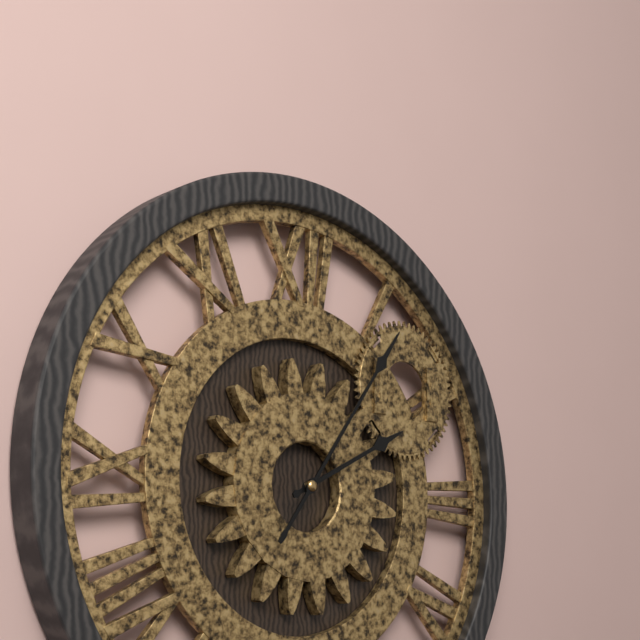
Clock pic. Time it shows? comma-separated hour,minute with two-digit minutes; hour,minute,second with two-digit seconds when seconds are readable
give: 2,06
